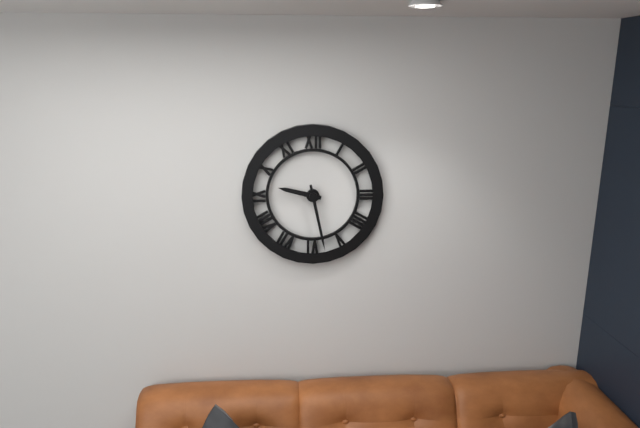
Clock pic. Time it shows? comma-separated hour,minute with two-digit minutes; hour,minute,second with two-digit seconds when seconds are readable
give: 9,28
